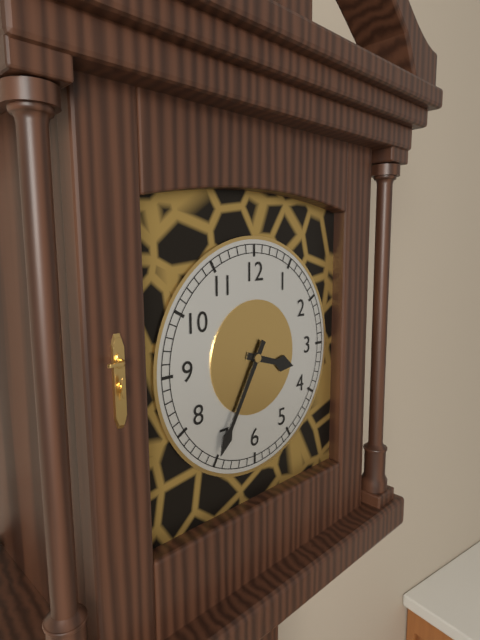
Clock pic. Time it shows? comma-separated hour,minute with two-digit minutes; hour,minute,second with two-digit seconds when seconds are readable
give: 3,35
